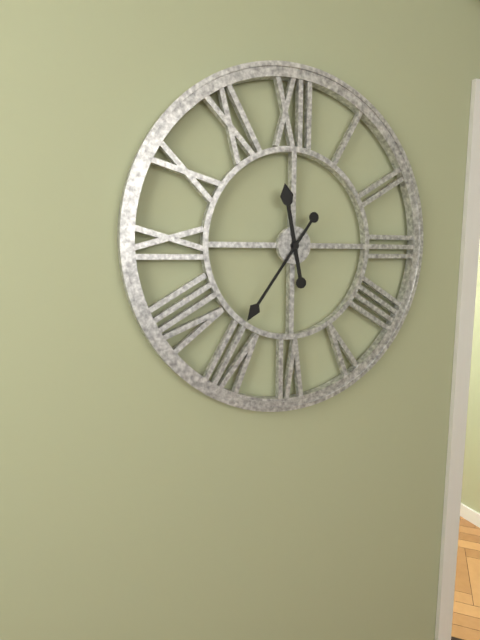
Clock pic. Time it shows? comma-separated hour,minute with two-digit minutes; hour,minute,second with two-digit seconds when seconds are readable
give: 11,36
